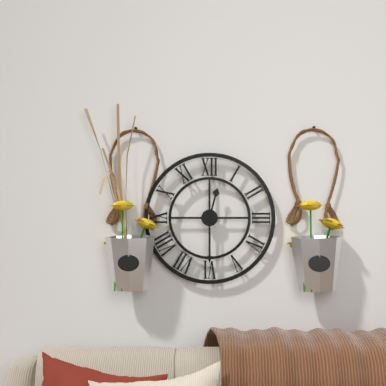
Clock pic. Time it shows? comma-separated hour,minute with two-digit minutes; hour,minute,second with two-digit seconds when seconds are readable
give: 12,30
